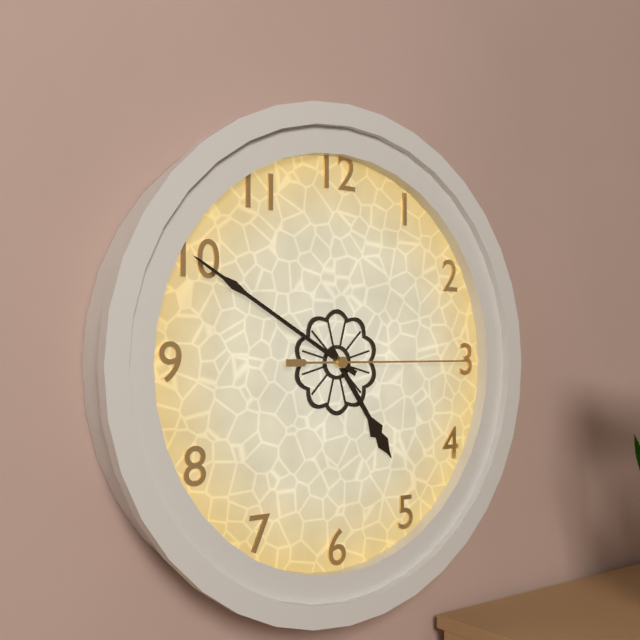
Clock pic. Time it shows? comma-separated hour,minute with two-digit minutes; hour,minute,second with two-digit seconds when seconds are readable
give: 4,50,15
